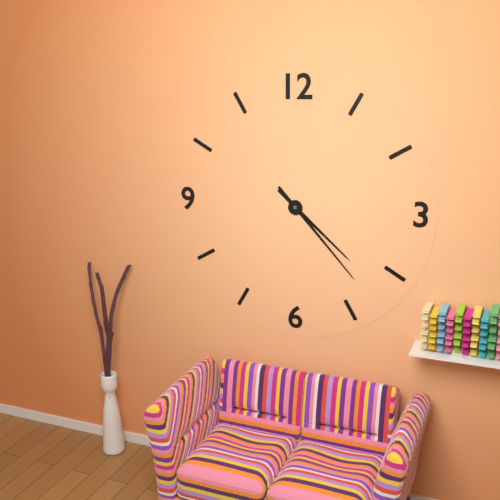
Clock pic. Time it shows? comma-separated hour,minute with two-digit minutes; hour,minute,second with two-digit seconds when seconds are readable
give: 4,23
